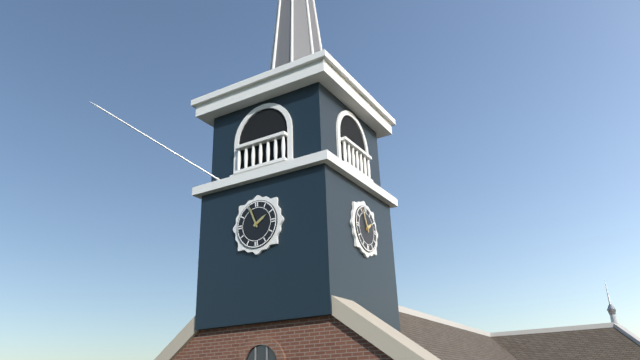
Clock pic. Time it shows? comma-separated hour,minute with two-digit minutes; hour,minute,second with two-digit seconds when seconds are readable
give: 1,56
